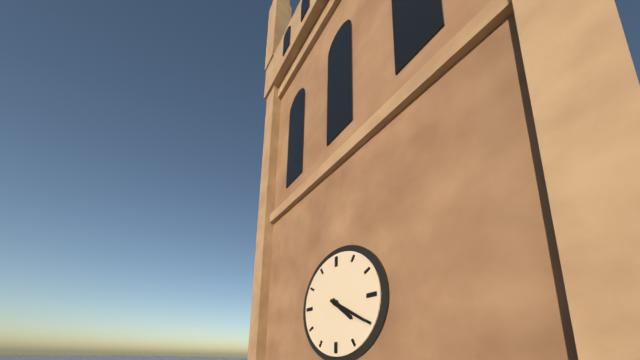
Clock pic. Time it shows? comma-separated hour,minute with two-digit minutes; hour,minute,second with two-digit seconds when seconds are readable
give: 4,20
